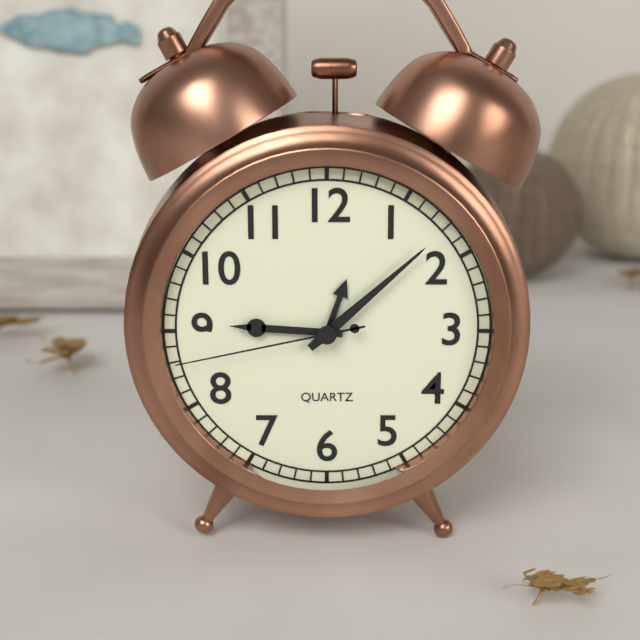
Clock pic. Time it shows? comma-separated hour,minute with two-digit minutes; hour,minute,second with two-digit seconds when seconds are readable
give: 9,08,43
